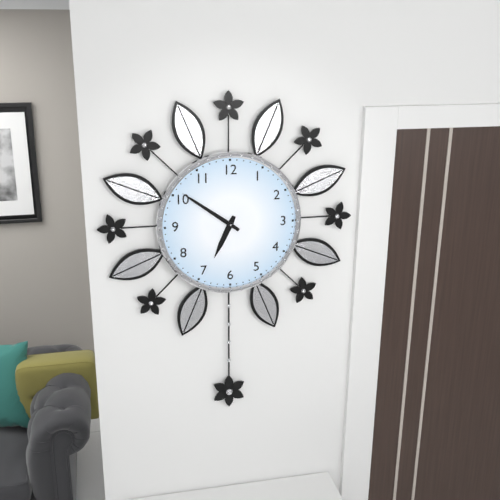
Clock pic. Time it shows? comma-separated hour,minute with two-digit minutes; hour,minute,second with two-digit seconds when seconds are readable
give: 6,51
